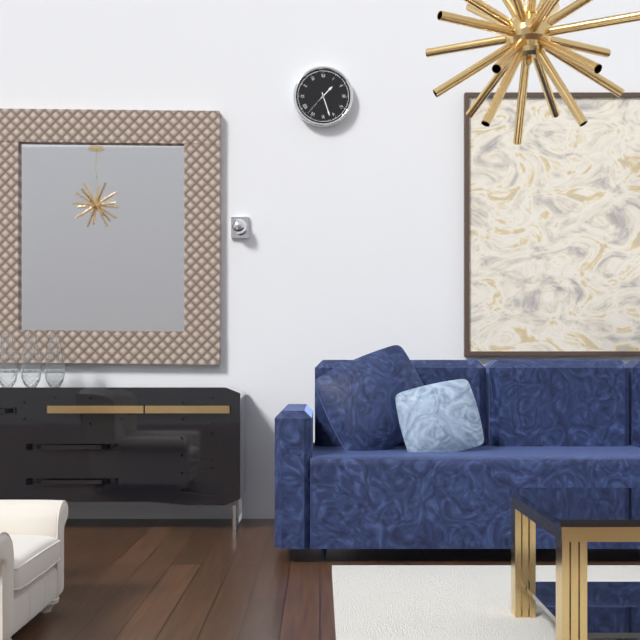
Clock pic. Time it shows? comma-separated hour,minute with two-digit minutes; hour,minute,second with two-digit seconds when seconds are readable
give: 1,27
